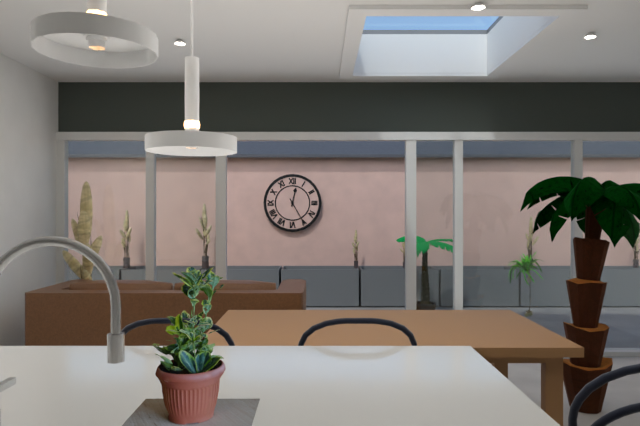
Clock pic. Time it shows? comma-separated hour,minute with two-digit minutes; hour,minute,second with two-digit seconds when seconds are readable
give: 12,25
